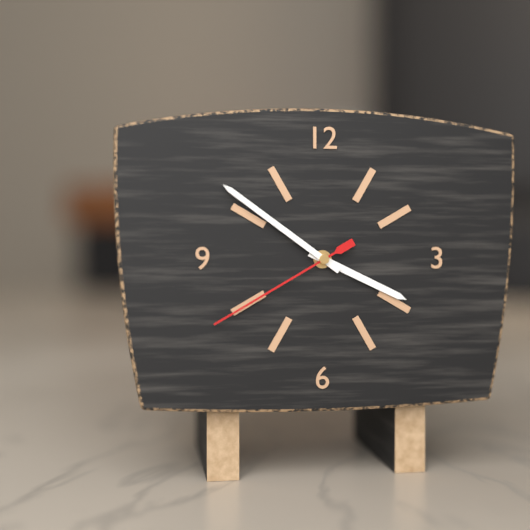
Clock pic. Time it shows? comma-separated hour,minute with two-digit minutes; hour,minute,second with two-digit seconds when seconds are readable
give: 3,51,40
